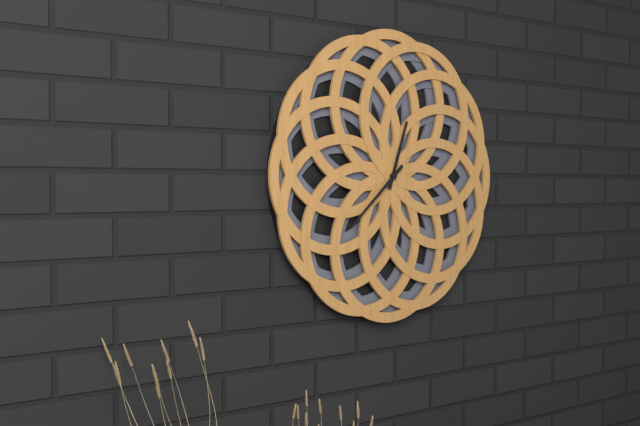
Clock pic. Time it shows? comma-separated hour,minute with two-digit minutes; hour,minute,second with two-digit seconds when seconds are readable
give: 12,38
